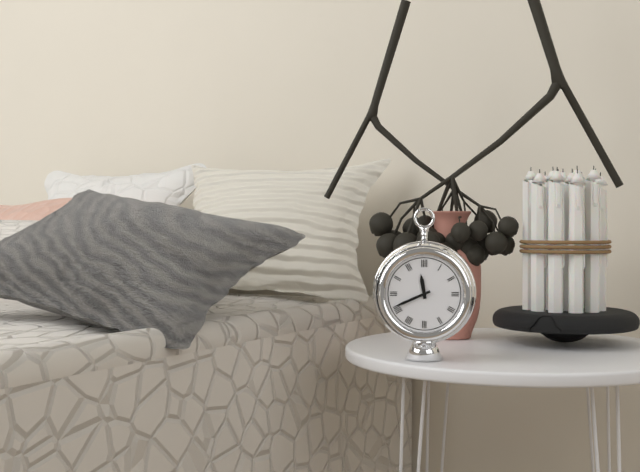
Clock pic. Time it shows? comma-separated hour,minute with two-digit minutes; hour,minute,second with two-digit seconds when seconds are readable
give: 11,41
